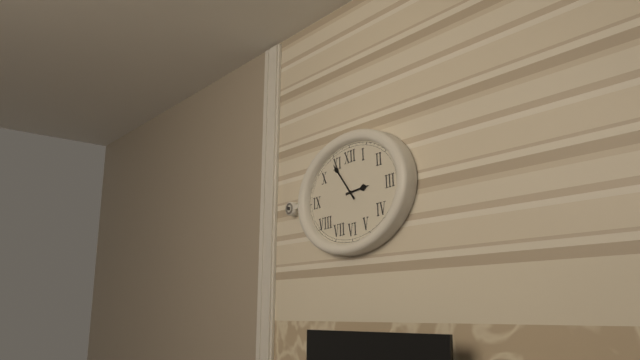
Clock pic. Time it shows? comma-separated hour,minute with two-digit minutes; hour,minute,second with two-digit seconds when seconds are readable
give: 2,54
